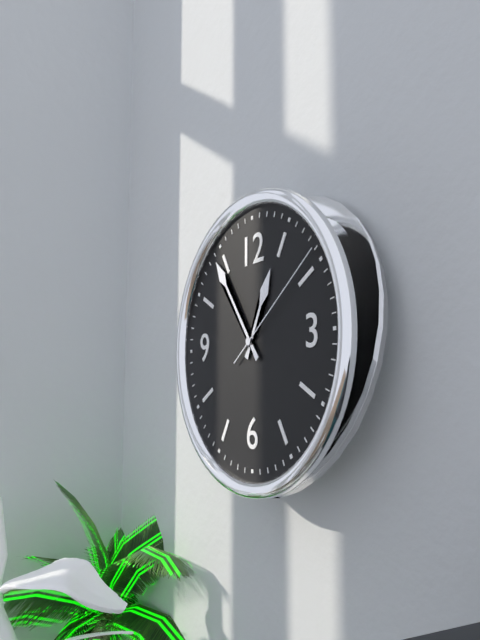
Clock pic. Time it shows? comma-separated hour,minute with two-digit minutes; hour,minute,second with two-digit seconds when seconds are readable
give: 12,54,09
